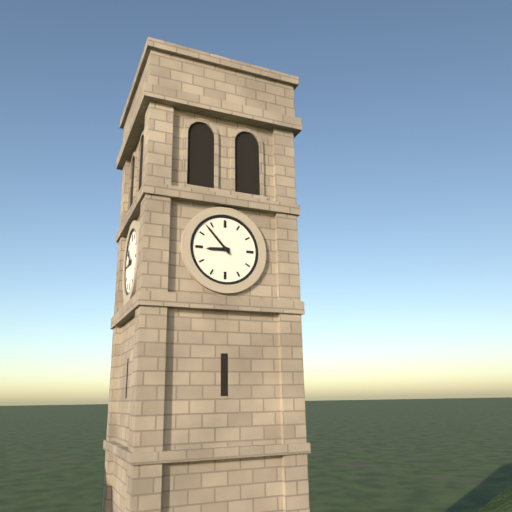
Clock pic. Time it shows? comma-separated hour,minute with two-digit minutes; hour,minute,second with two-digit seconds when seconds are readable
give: 8,53
